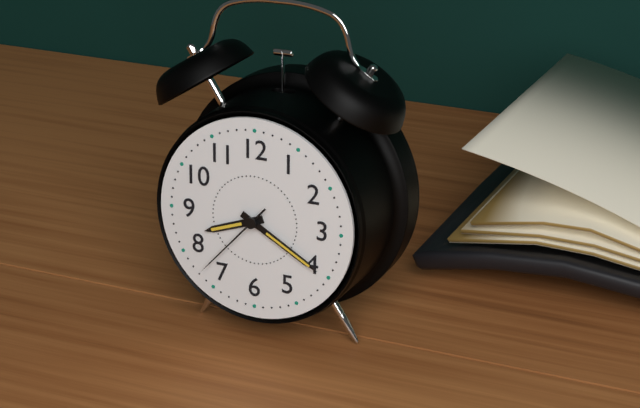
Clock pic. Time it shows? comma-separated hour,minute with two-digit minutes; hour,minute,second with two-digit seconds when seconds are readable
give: 8,20,37
